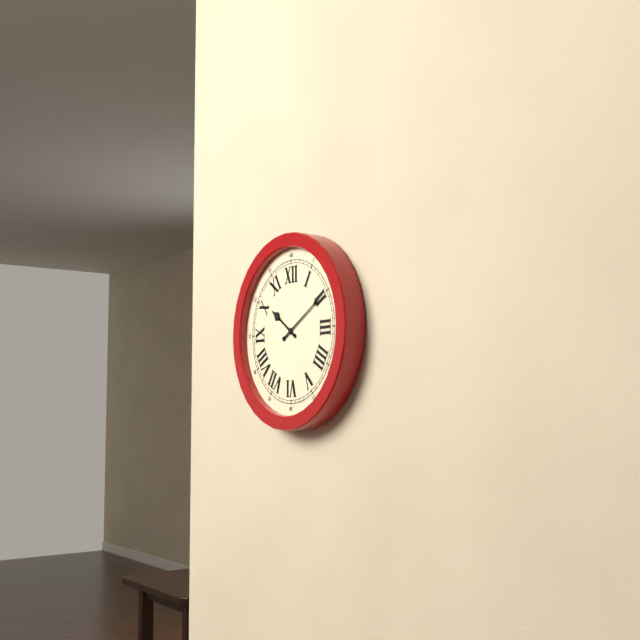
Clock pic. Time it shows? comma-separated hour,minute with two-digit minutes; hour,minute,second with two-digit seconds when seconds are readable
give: 10,10
